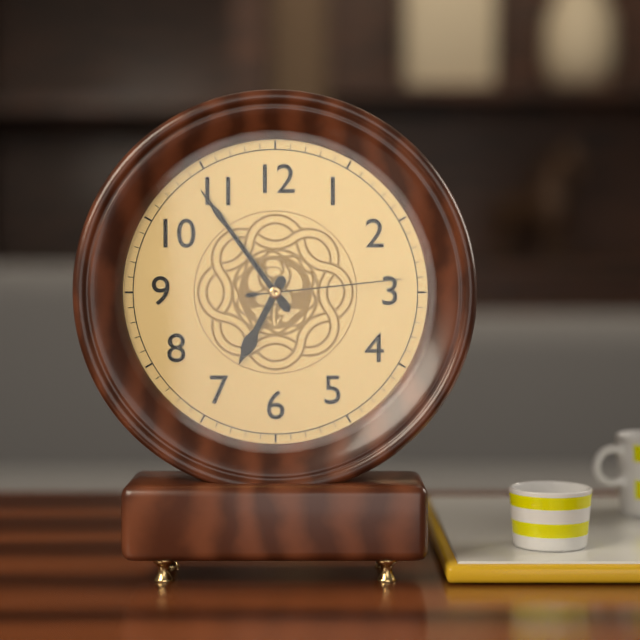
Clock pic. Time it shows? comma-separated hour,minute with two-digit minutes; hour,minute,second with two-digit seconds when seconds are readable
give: 6,54,14
